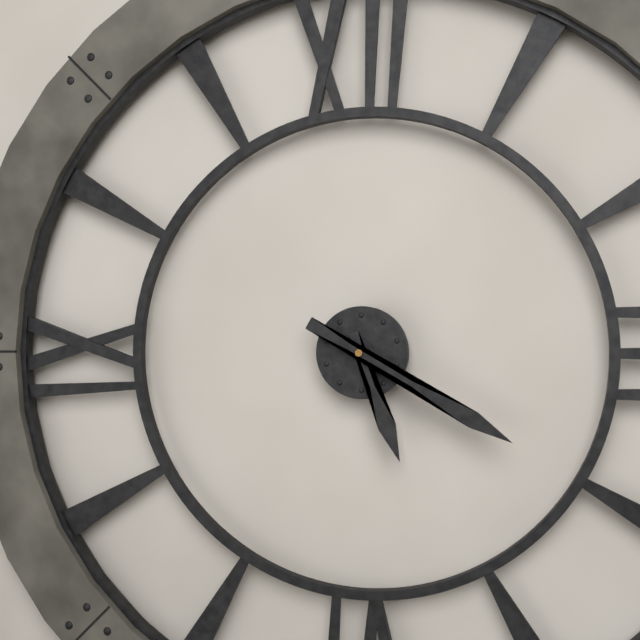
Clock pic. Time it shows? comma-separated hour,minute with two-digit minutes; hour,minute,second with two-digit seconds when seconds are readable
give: 5,20
